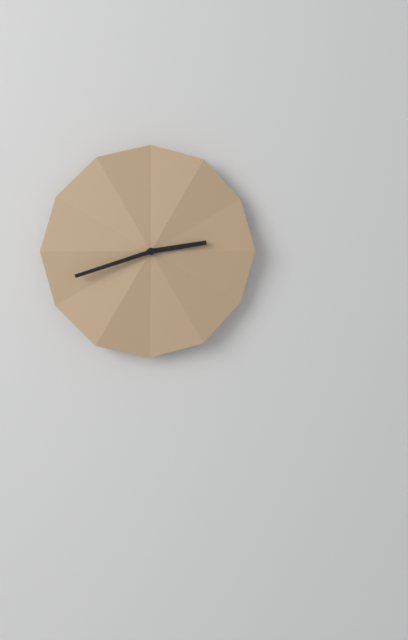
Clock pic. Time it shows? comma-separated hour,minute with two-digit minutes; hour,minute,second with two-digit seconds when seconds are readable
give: 2,42
